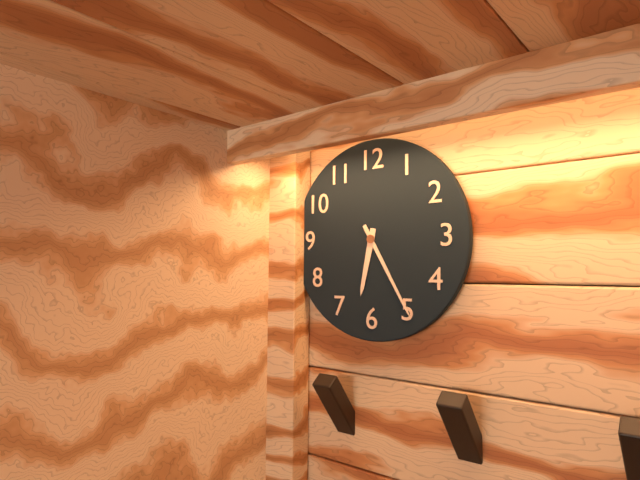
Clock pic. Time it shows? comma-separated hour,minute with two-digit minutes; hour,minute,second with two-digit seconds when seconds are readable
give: 6,25
